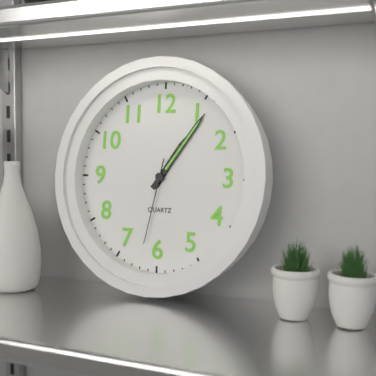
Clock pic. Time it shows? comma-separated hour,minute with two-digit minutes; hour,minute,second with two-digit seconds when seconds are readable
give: 1,06,32
